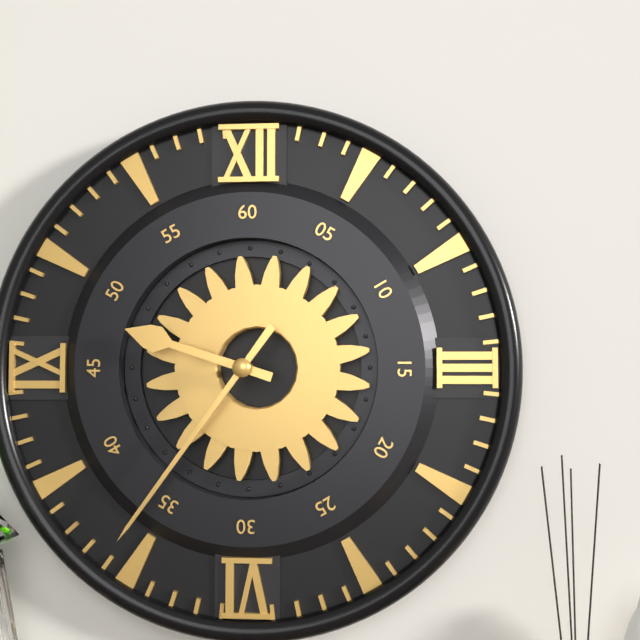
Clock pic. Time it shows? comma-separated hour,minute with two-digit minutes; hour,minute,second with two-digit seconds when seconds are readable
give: 9,36
